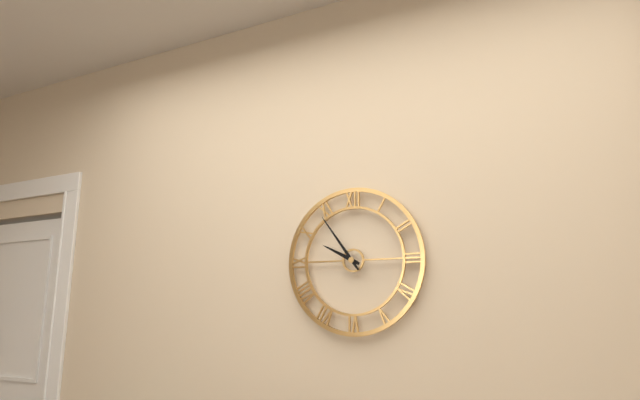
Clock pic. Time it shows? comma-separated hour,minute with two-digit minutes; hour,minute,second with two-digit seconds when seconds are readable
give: 9,54
